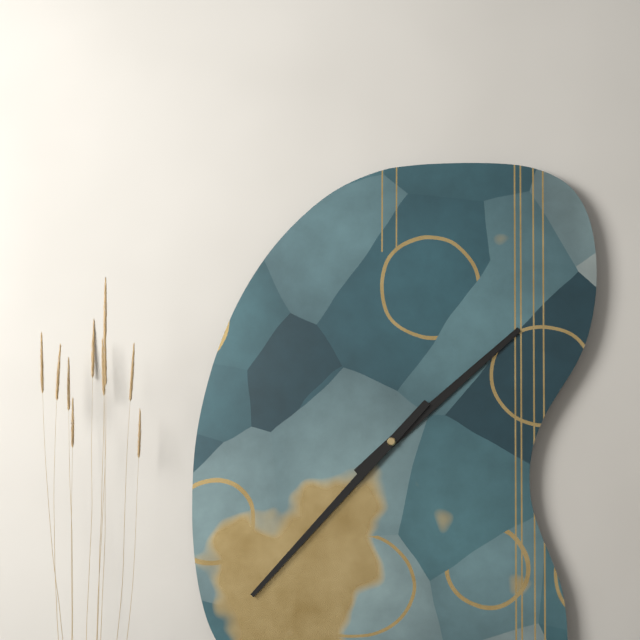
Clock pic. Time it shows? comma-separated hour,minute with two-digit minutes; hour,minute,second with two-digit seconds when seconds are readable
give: 1,37
